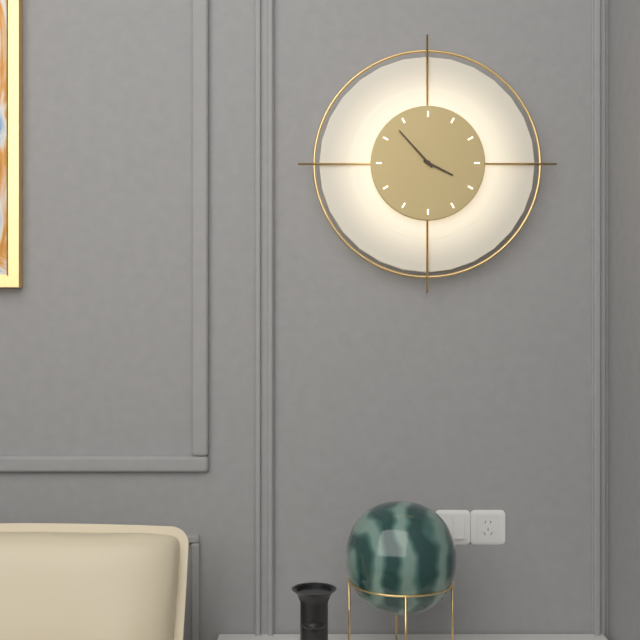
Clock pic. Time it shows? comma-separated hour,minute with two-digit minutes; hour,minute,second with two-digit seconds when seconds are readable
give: 3,53
